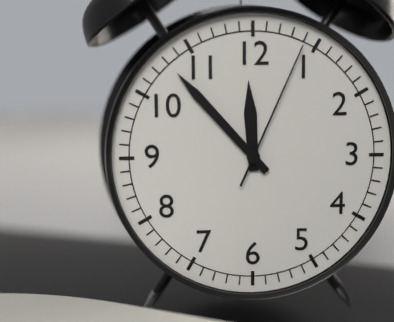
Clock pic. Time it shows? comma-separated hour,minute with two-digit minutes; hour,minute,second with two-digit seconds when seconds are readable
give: 11,53,04
